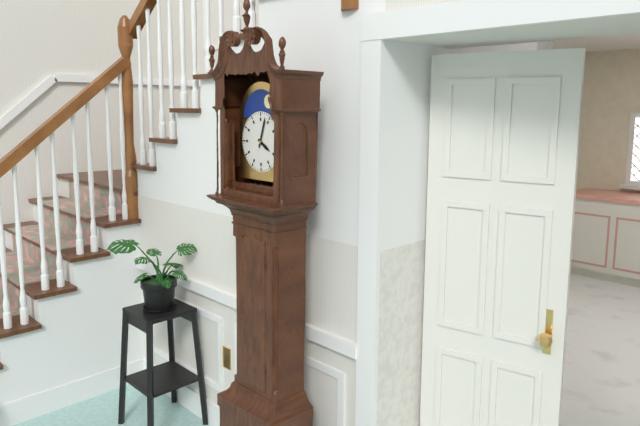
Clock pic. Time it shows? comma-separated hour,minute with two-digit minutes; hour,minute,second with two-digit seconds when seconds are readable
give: 4,03
